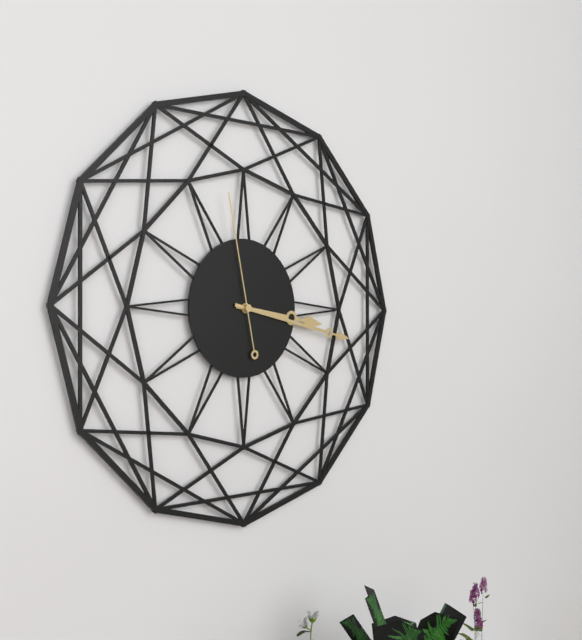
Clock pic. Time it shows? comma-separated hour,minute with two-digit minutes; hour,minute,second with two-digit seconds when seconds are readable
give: 3,17,58
